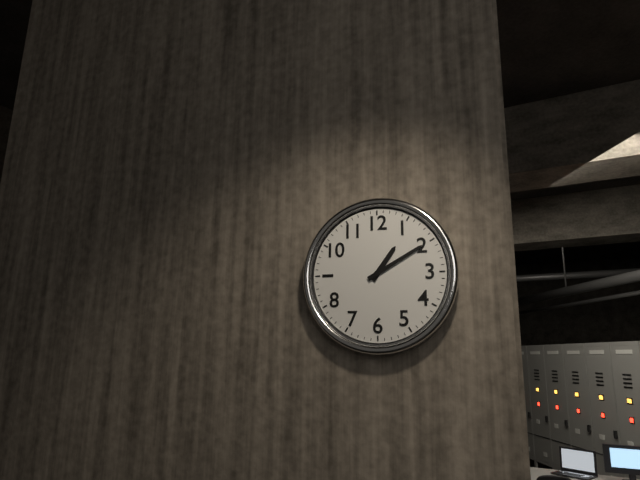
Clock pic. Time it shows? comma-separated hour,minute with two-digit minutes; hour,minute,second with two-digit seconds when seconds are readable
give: 1,10
